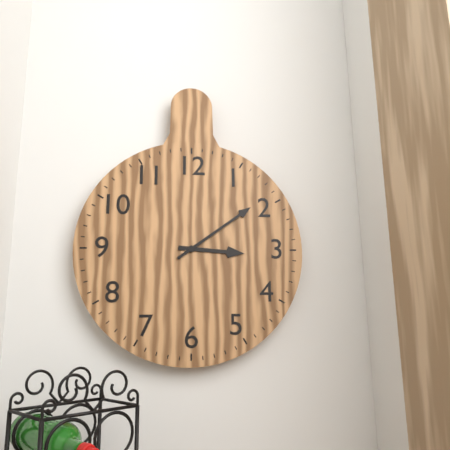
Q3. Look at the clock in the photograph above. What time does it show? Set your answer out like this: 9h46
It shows 3h09
